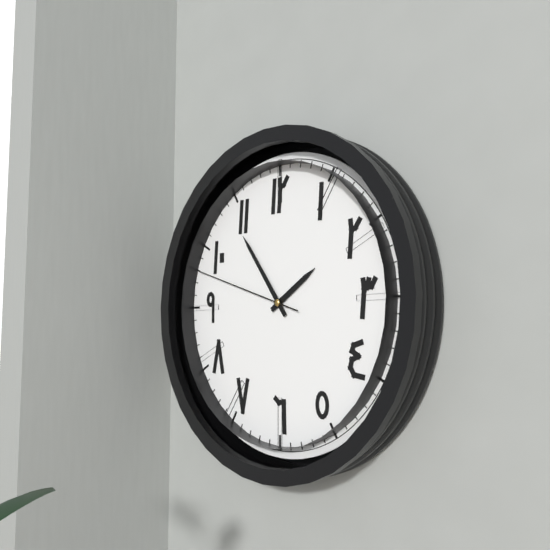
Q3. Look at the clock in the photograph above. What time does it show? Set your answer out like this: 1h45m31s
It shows 1h54m48s
